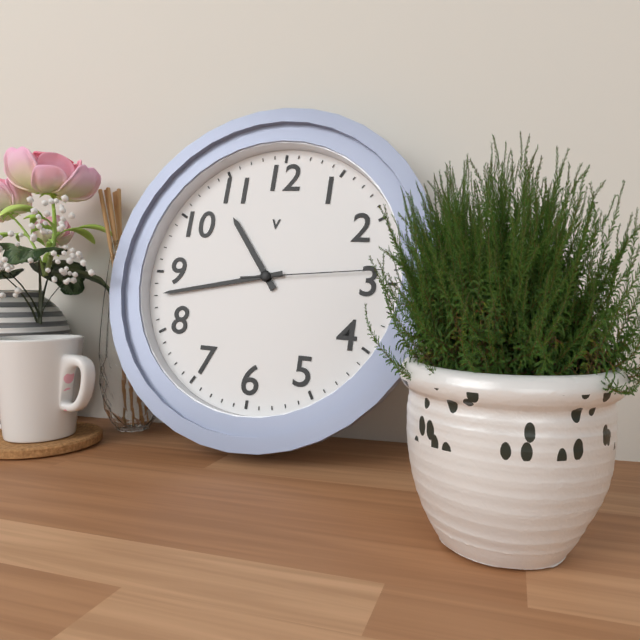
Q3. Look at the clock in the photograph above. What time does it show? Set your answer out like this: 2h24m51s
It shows 10h43m14s
